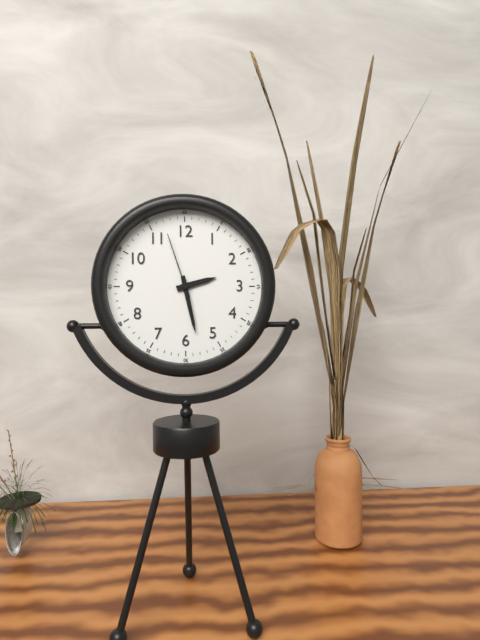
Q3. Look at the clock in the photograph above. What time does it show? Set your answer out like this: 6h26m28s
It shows 2h28m57s
